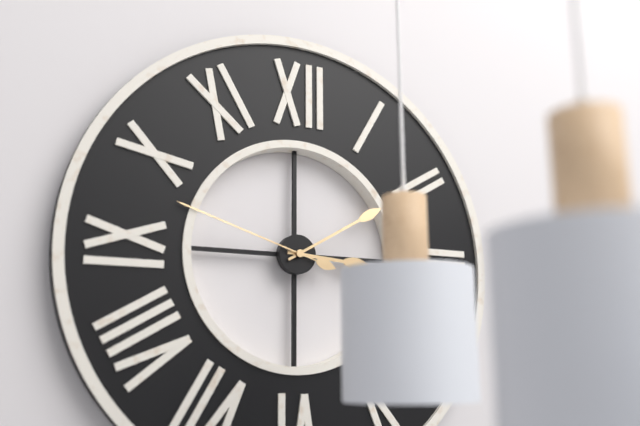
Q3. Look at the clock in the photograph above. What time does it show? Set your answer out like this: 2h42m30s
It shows 3h10m48s
